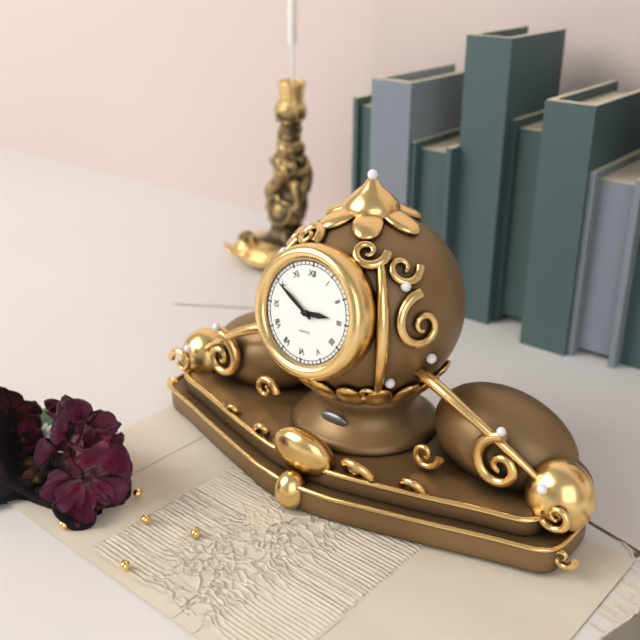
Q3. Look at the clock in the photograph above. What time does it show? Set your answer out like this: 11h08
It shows 2h50
